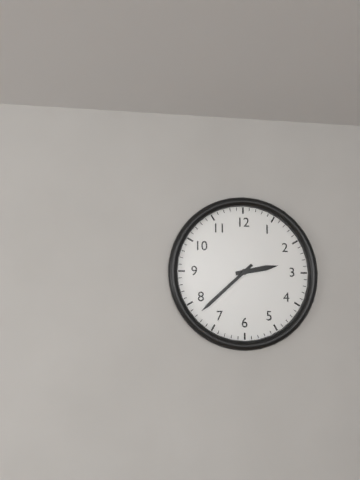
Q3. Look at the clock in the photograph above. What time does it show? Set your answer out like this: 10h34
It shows 2h38
